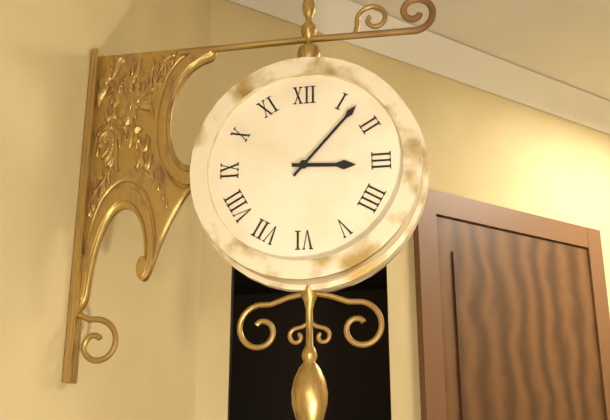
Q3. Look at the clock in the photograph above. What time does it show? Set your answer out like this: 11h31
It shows 3h07
